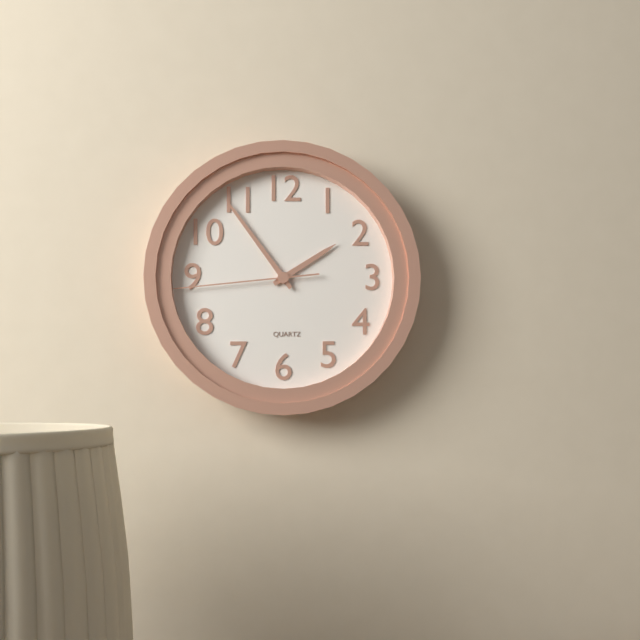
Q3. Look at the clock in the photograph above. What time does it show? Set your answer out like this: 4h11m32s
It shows 1h54m44s
